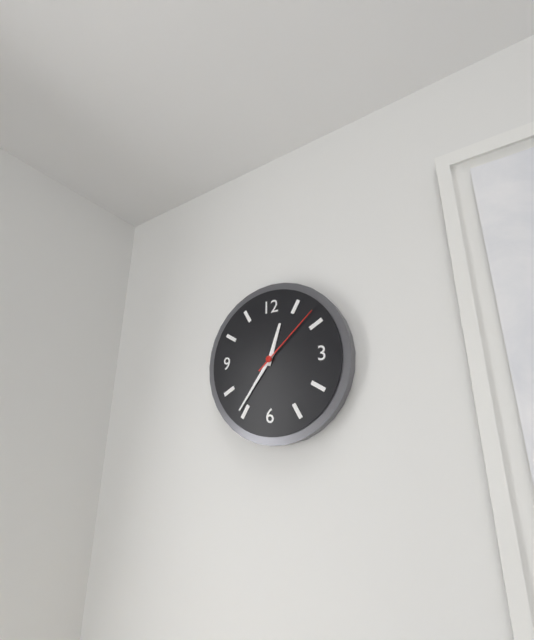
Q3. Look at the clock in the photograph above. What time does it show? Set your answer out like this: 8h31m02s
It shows 12h36m08s
